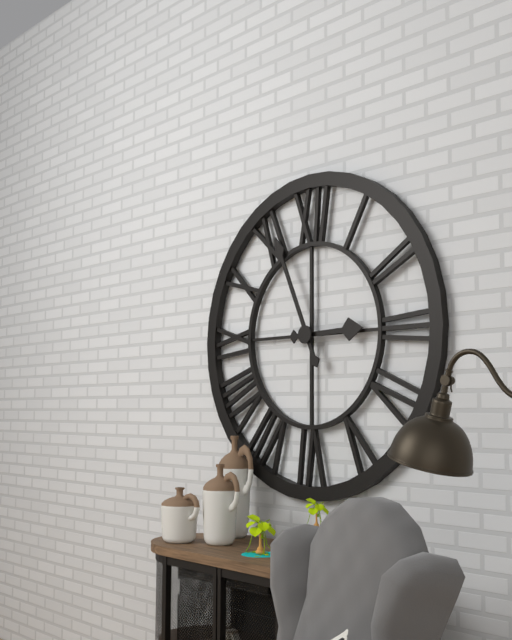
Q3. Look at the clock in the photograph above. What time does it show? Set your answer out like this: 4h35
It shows 2h56
